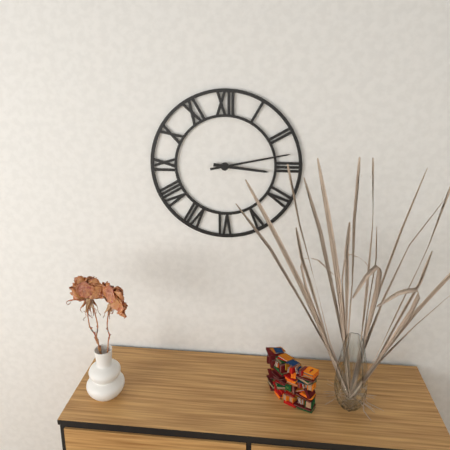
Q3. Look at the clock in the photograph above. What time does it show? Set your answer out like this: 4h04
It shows 3h13
